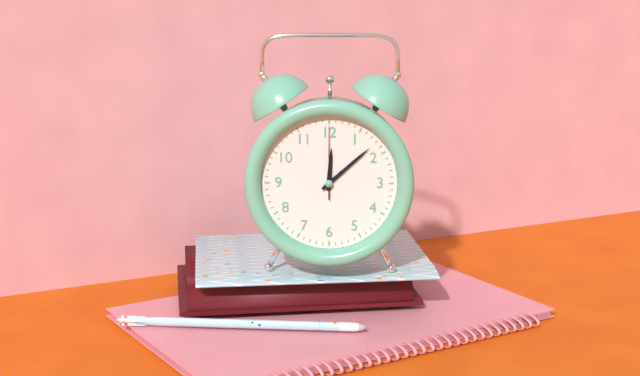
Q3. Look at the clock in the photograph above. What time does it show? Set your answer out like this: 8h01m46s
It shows 12h08m00s
